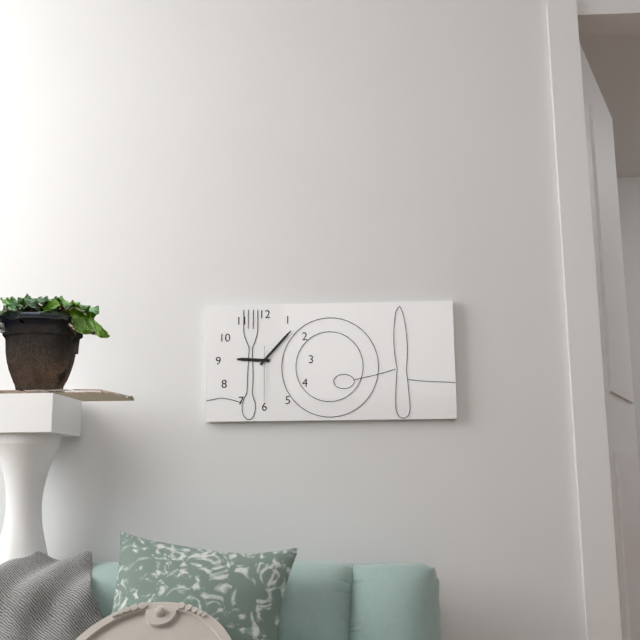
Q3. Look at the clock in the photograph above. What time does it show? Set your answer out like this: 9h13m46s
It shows 9h07m30s
